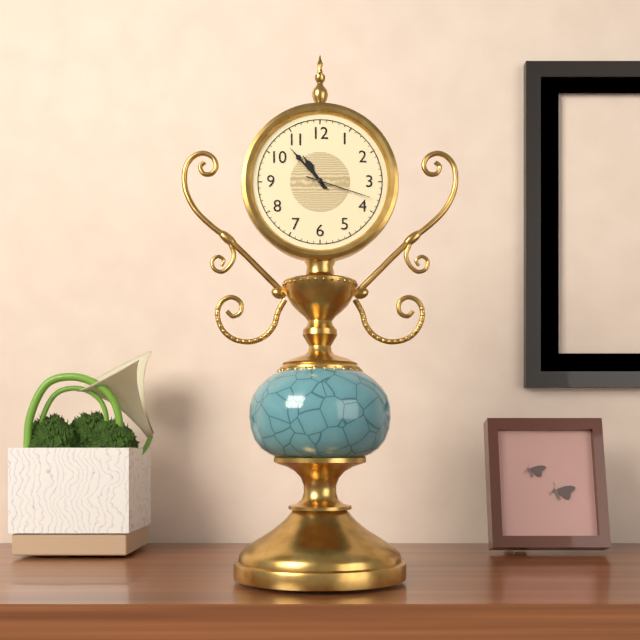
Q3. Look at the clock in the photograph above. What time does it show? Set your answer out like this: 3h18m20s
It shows 10h53m18s
